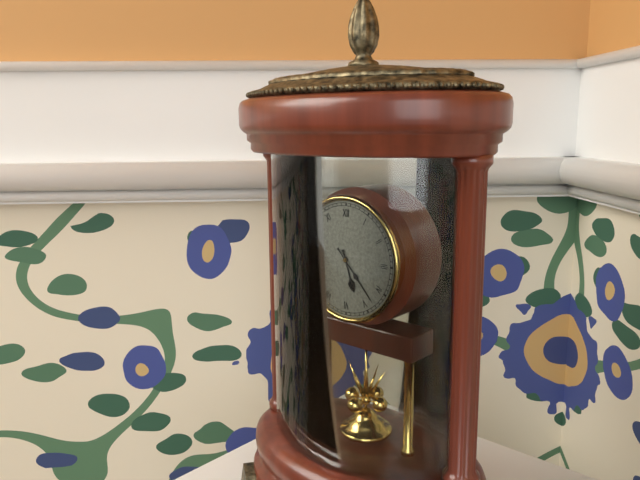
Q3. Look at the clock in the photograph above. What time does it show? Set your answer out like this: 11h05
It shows 5h23
